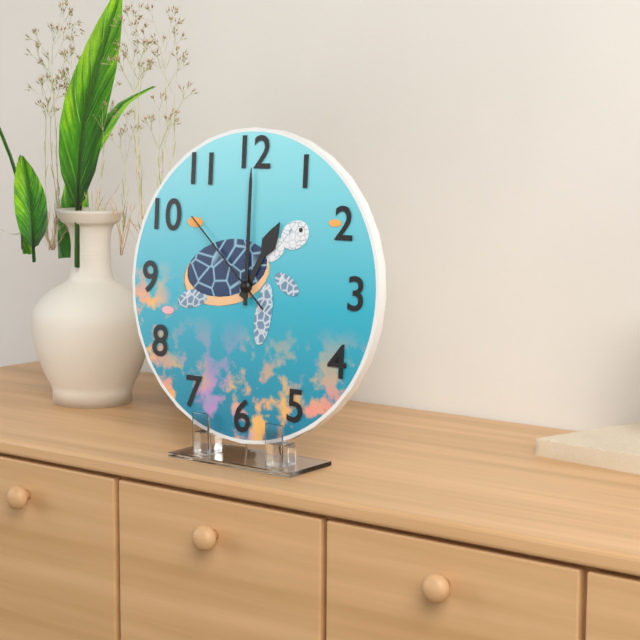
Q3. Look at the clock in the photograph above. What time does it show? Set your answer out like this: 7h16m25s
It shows 1h00m52s
